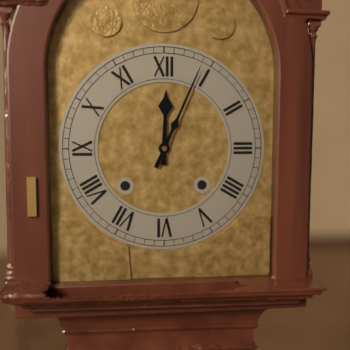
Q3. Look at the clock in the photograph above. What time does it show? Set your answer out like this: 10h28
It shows 12h04
